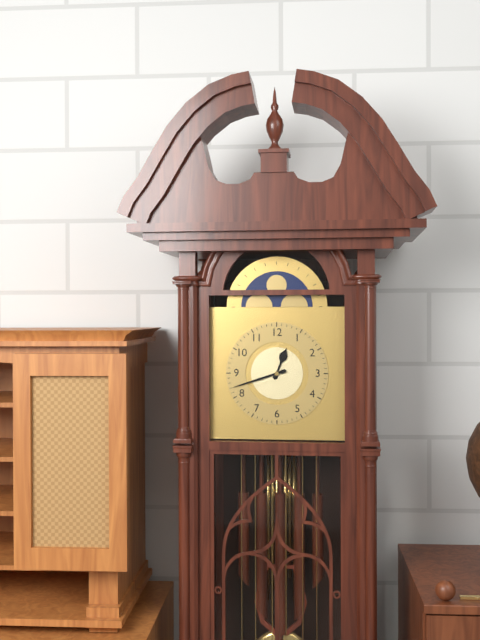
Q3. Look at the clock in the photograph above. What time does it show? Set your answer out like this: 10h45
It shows 12h42
